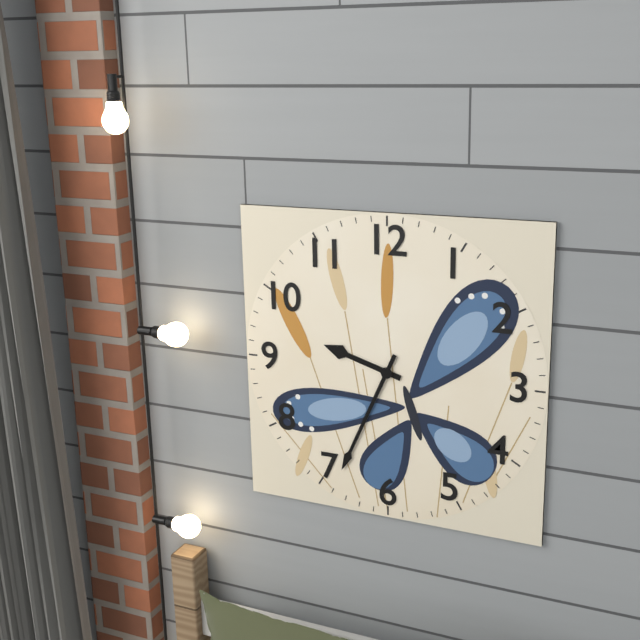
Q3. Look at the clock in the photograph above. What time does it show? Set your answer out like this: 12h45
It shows 9h34
